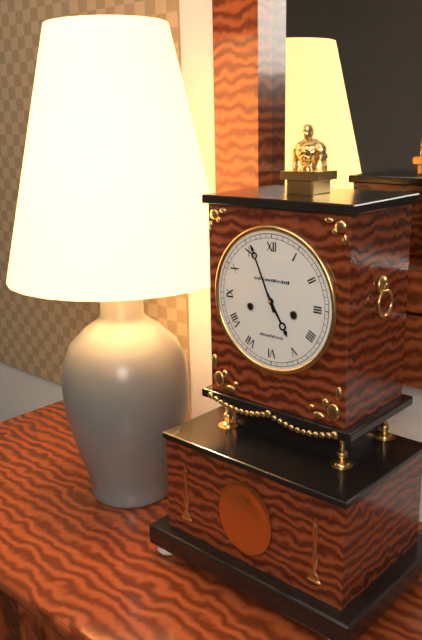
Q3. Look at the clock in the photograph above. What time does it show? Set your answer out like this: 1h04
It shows 4h56
